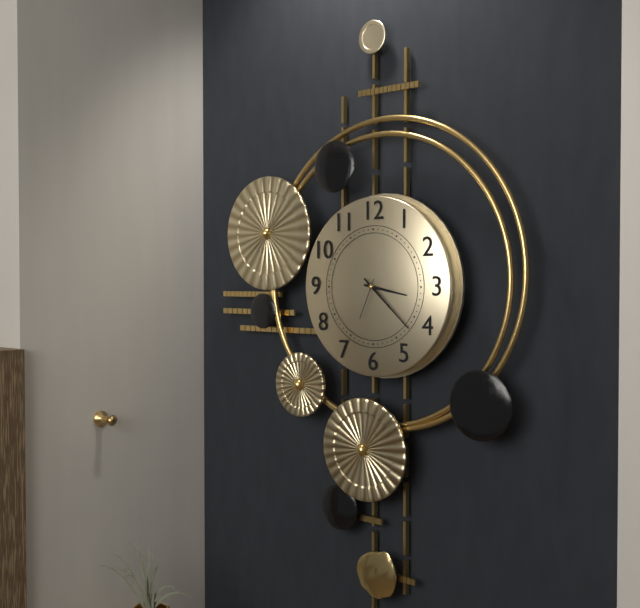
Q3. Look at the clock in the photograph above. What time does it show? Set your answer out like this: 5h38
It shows 3h22
